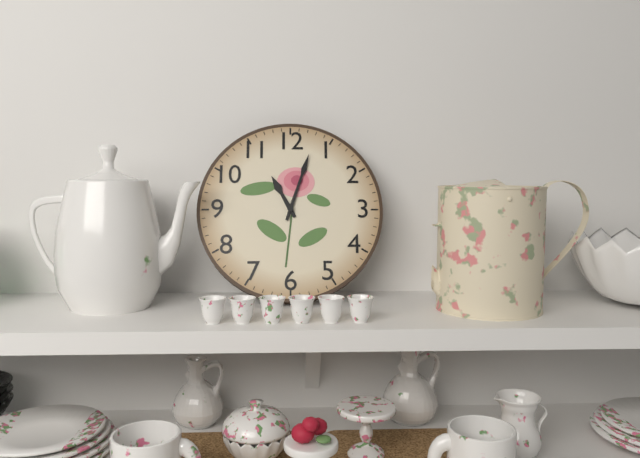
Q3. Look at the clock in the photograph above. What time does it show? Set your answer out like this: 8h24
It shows 11h03
